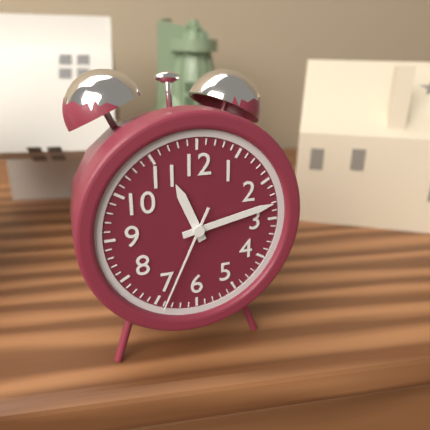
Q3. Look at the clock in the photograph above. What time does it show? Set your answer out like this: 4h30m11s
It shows 11h13m34s
